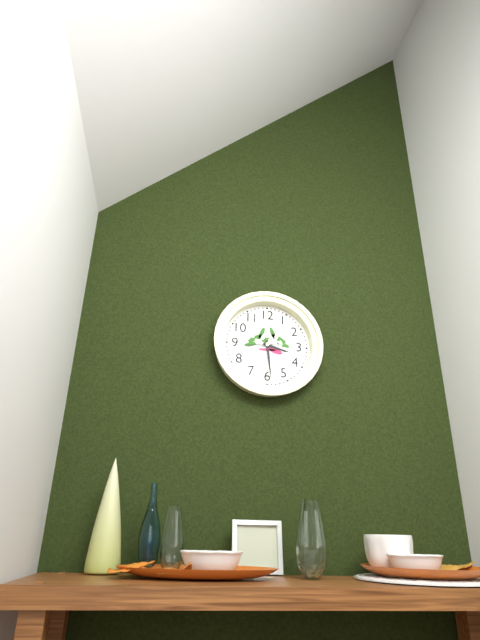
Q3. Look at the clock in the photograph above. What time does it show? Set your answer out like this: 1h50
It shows 3h29
